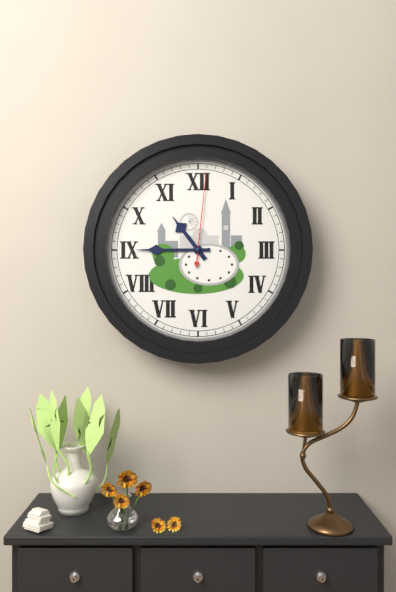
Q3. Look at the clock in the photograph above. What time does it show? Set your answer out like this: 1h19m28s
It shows 10h45m01s
